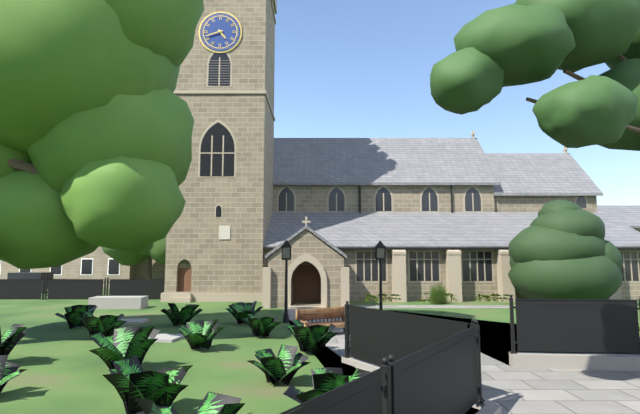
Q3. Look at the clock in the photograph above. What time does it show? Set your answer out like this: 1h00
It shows 4h42
